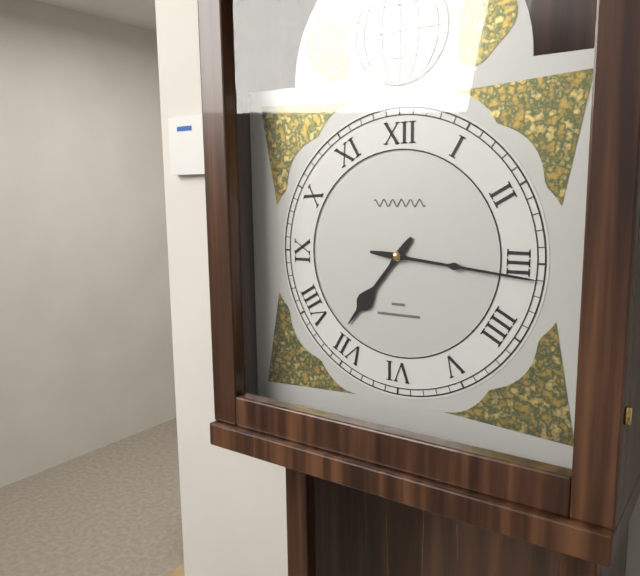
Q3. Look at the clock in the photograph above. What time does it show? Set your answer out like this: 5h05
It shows 7h16
